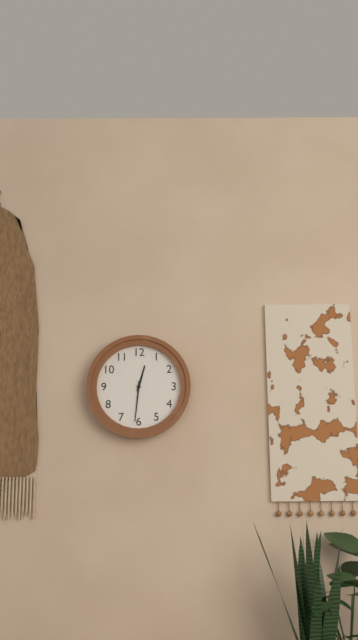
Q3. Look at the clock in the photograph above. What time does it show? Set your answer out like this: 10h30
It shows 12h31
